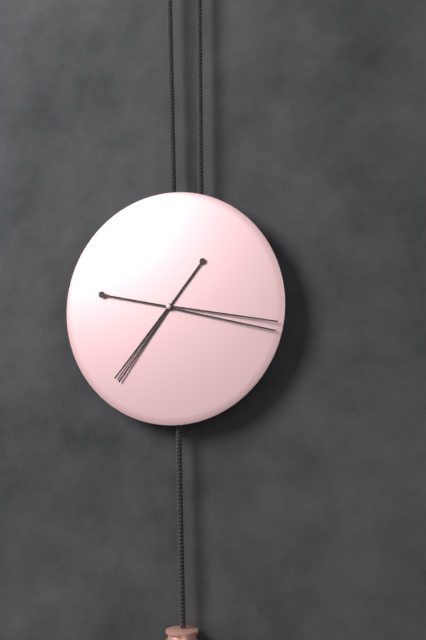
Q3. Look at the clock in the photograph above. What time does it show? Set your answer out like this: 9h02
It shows 7h17
